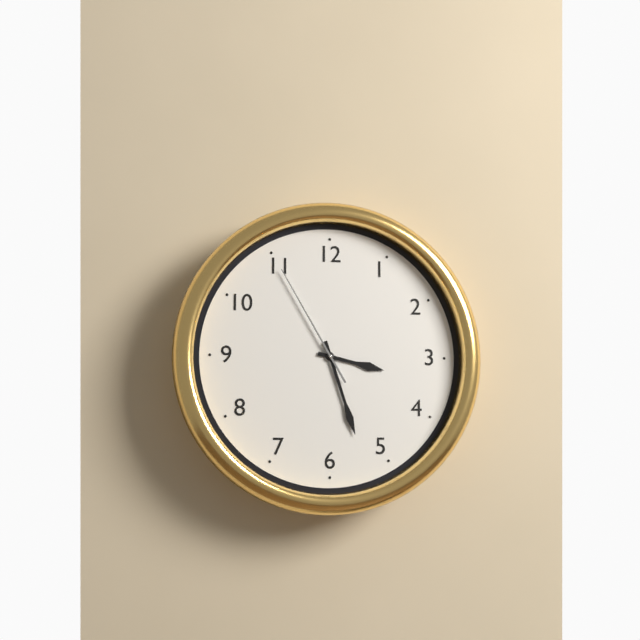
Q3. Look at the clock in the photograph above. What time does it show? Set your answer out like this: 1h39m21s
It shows 3h27m55s
